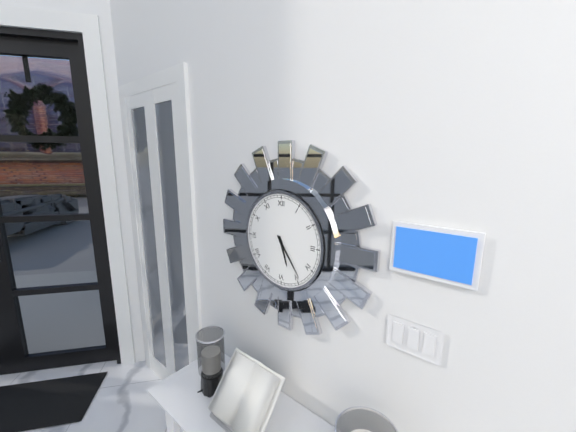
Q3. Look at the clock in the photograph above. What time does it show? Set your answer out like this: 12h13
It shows 5h24
